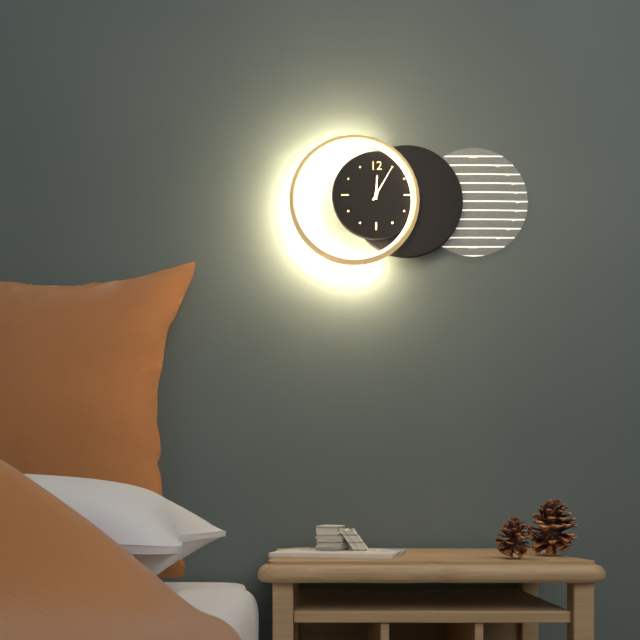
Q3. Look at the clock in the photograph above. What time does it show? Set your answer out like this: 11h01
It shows 12h05
